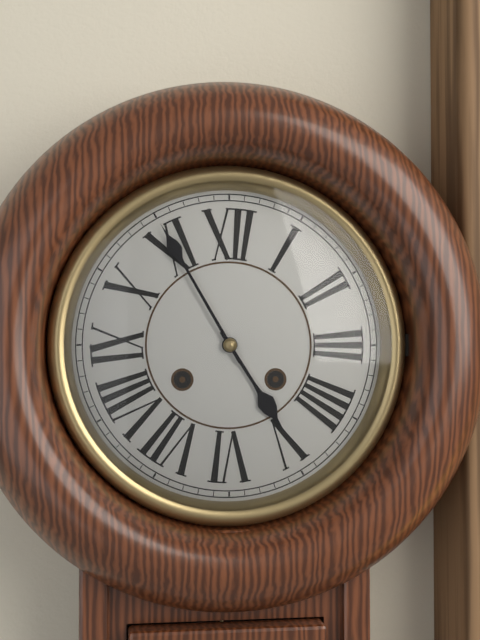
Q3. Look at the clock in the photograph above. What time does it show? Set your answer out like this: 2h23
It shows 4h55
